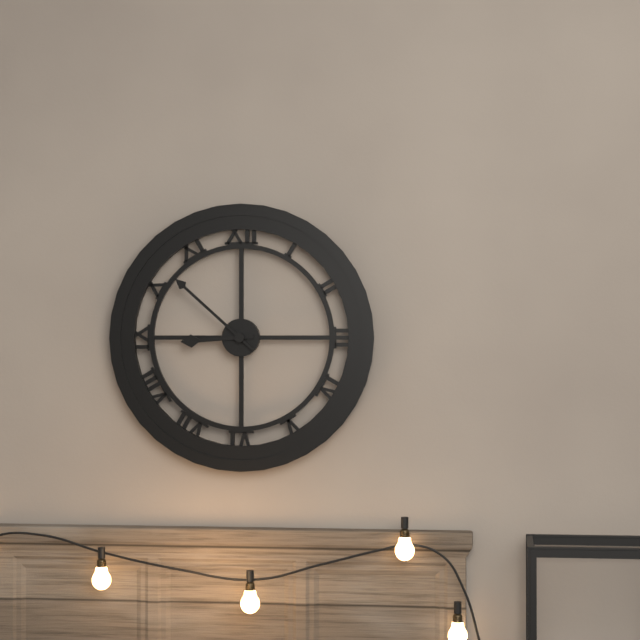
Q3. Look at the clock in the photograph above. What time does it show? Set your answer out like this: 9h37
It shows 8h52
